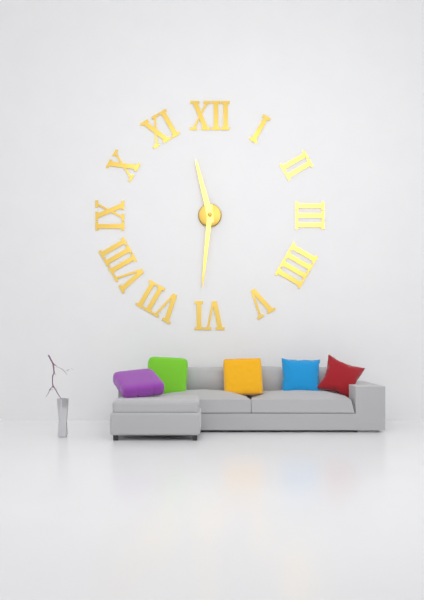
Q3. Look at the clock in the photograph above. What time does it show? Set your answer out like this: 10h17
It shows 11h31
